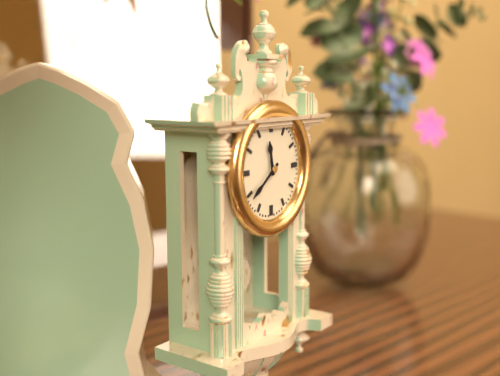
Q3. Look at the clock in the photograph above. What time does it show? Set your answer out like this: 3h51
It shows 11h39
